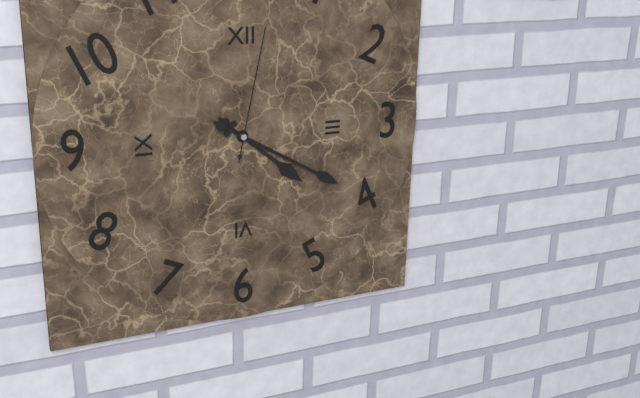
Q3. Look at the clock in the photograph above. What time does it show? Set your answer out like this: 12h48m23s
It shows 4h20m02s
